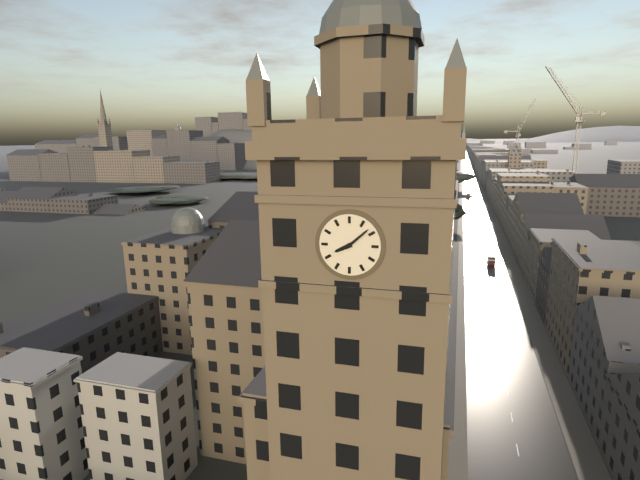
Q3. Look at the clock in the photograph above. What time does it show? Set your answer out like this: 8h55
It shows 8h08
